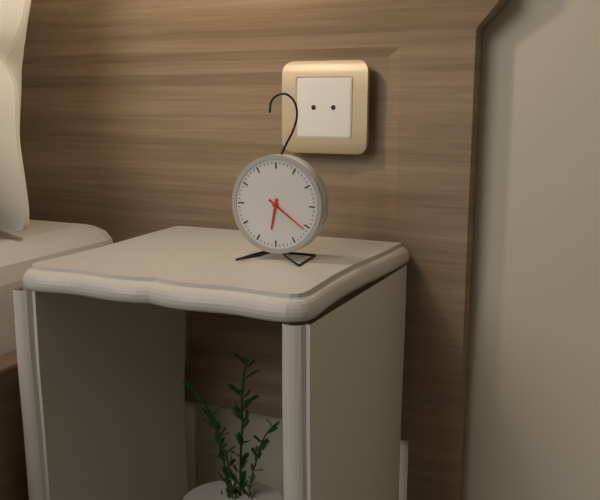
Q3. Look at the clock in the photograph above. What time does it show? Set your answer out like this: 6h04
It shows 6h21
